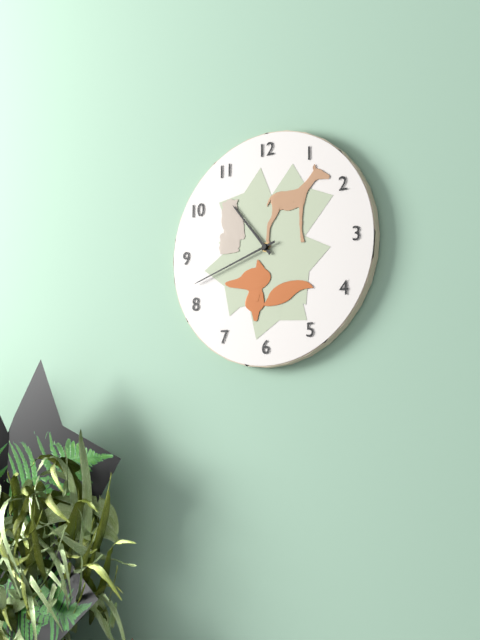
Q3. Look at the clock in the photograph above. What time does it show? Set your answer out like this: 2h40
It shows 10h42
